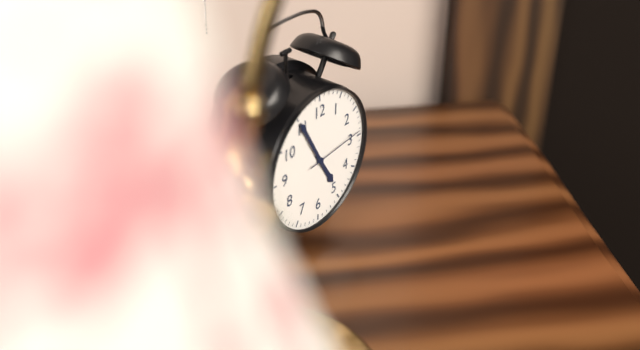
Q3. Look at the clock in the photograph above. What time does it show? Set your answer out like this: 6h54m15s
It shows 4h55m14s
